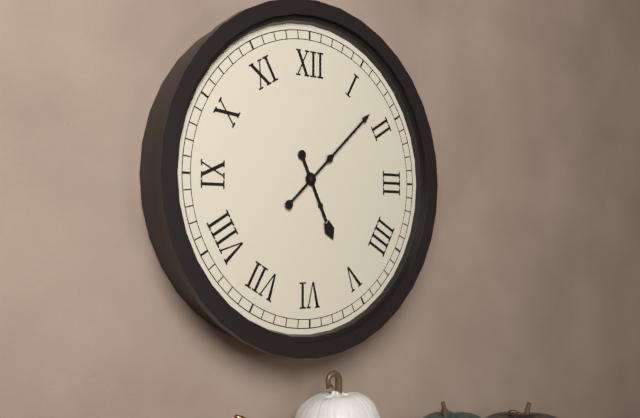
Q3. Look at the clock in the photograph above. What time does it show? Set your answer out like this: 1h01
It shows 5h08
